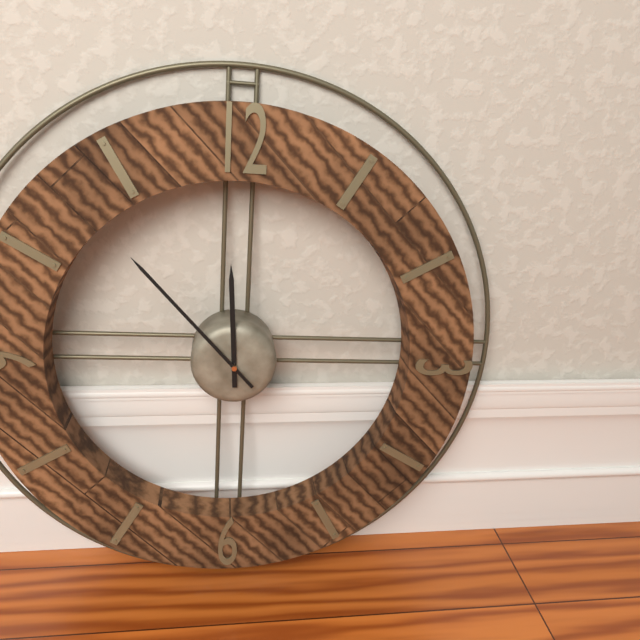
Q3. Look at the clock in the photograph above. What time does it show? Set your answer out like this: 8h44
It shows 11h53
